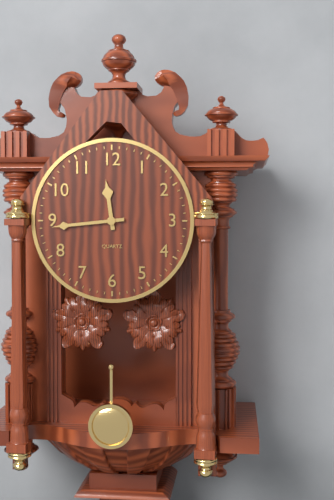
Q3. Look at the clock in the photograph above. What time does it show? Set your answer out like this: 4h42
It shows 11h44
